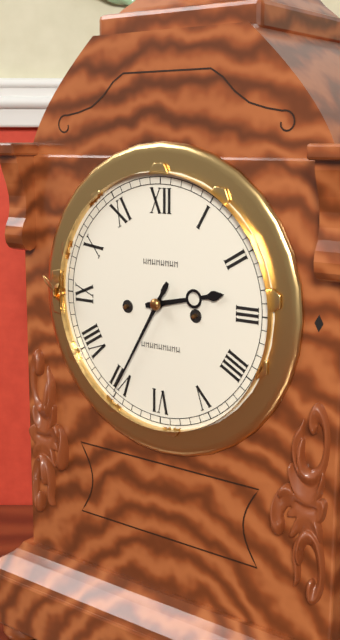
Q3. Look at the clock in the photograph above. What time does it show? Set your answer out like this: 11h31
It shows 2h35
